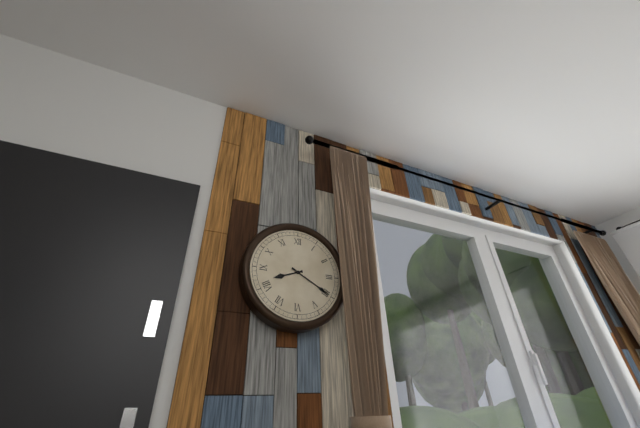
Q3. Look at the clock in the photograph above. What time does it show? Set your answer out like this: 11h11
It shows 8h20
